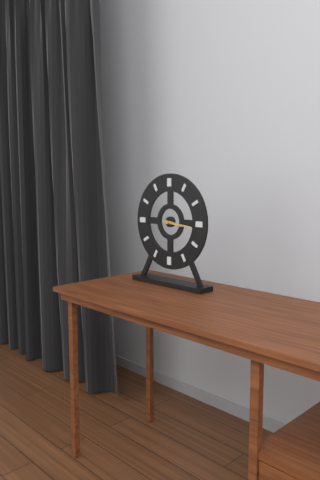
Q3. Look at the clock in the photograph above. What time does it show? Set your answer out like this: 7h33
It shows 3h16
